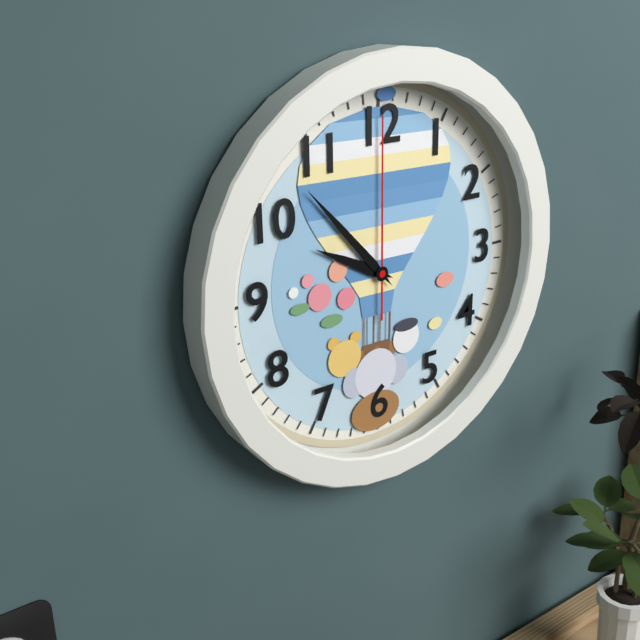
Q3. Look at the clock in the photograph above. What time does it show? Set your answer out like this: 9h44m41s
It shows 9h53m00s
